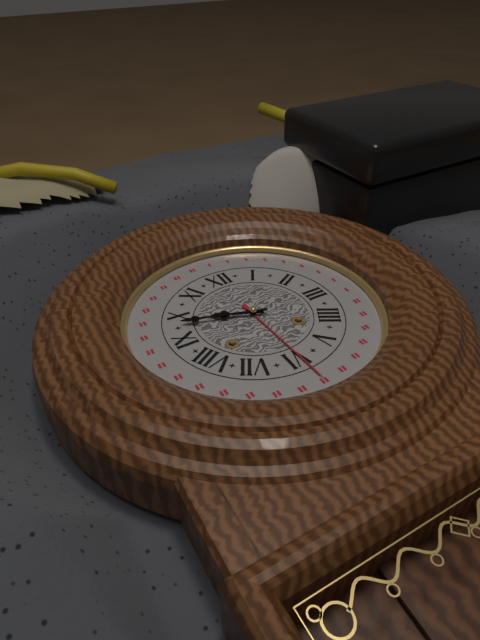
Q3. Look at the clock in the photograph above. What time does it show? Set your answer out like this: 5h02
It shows 9h48
